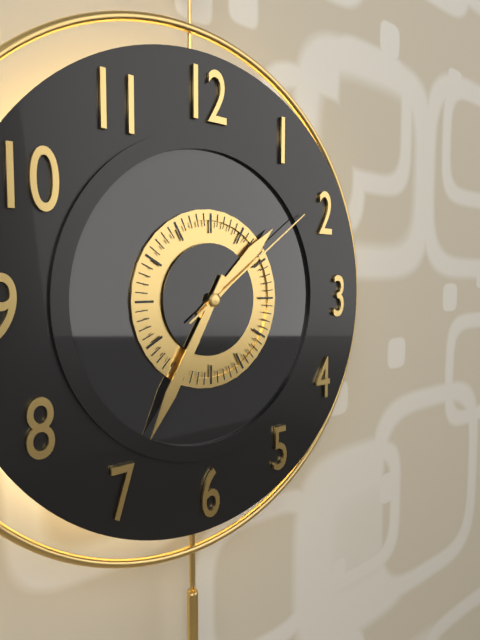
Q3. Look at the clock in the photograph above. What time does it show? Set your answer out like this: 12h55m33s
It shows 1h35m09s
